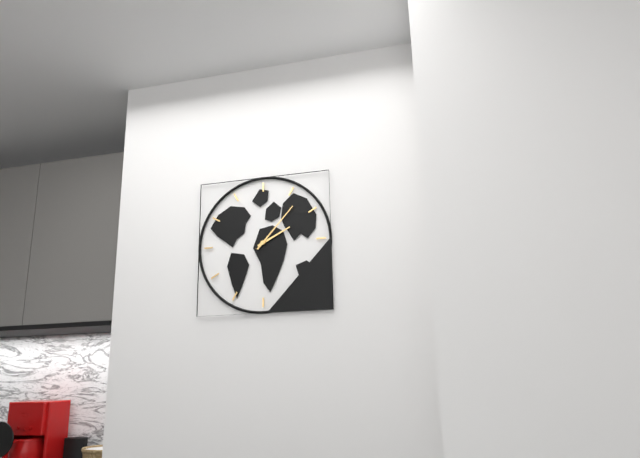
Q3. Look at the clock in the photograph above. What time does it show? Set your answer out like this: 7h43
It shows 2h07
